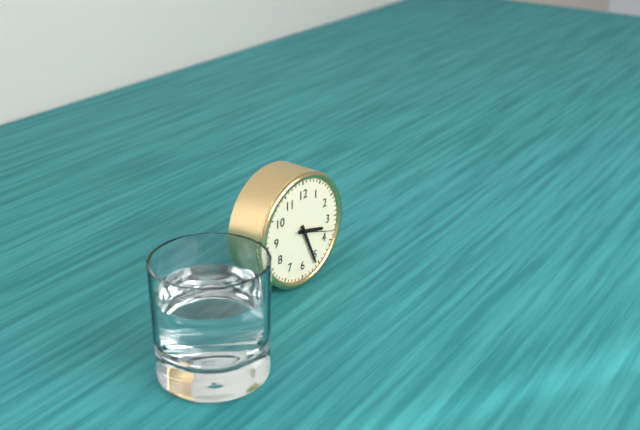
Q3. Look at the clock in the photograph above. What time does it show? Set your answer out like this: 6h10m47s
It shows 3h26m18s
